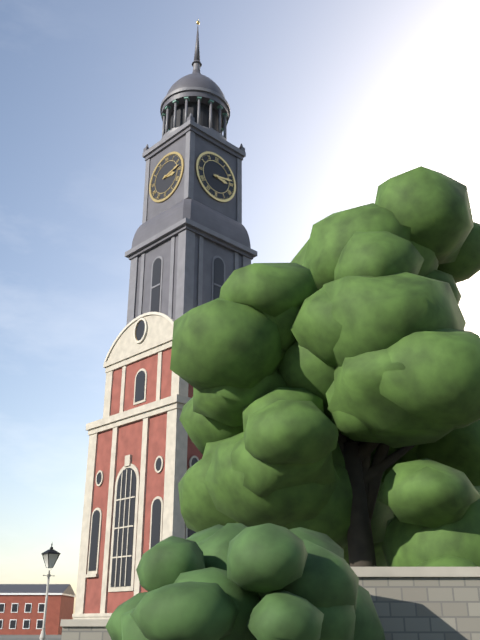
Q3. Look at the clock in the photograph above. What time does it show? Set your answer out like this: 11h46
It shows 3h13
